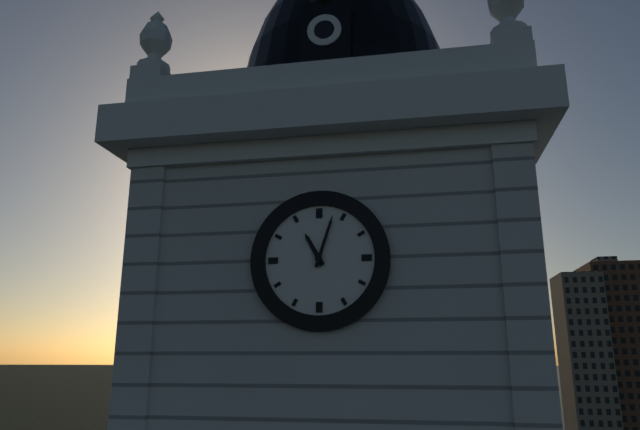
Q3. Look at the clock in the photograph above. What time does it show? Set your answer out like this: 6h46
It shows 11h03
